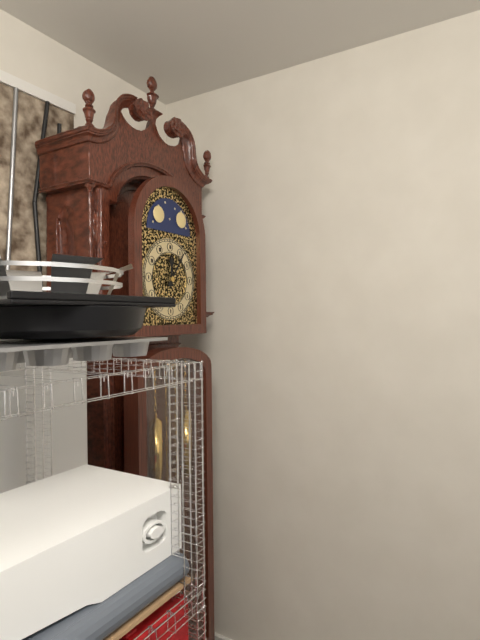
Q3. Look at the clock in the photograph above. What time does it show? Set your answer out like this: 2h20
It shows 12h06
